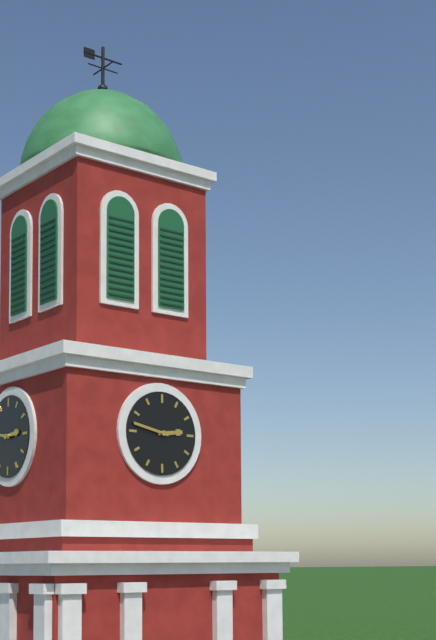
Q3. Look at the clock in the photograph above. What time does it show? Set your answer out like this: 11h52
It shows 2h47
